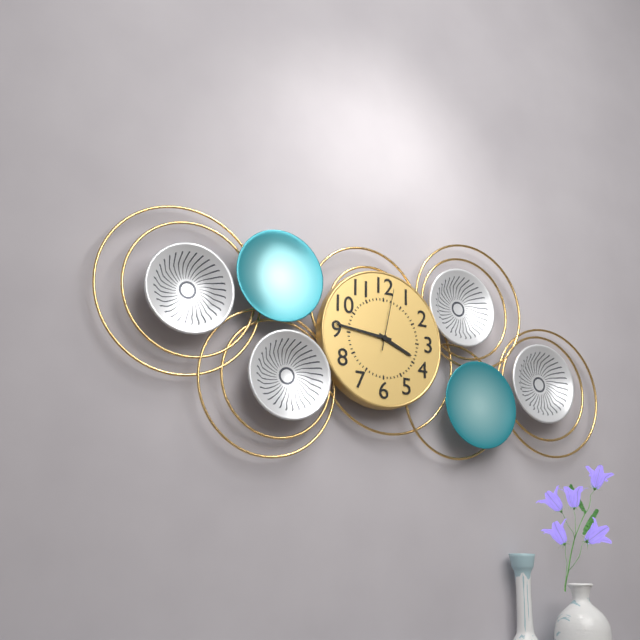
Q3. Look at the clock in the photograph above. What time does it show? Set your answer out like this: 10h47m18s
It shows 3h46m02s
